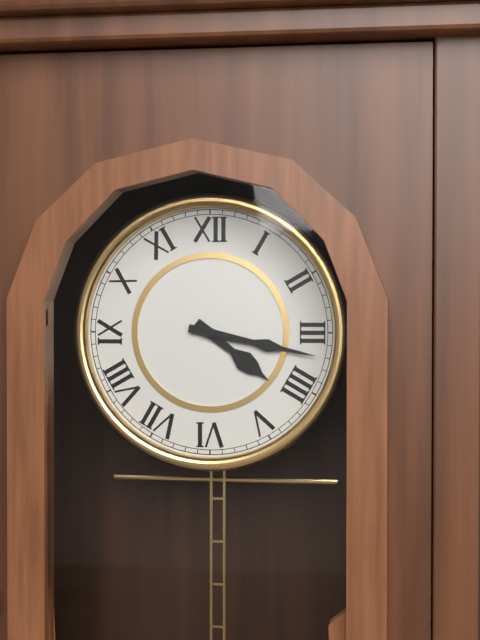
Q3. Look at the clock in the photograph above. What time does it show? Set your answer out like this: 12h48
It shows 4h17
